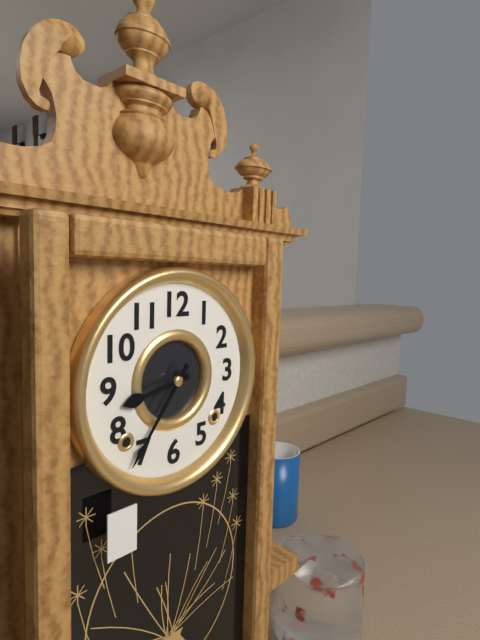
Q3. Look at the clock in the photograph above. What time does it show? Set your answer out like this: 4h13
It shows 8h36
